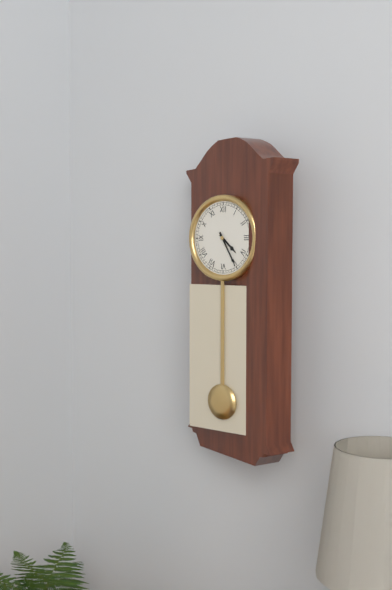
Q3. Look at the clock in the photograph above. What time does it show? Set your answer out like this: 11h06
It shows 4h25
